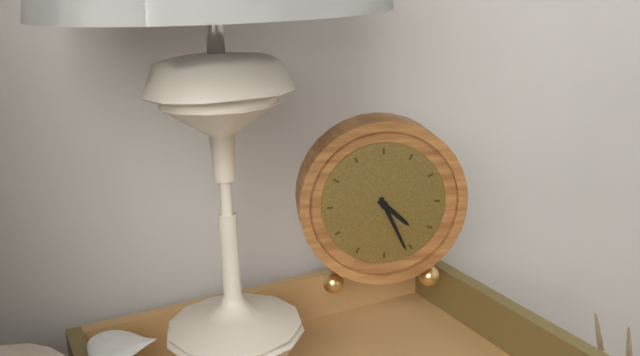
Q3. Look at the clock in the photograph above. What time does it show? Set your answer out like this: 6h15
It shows 4h26
